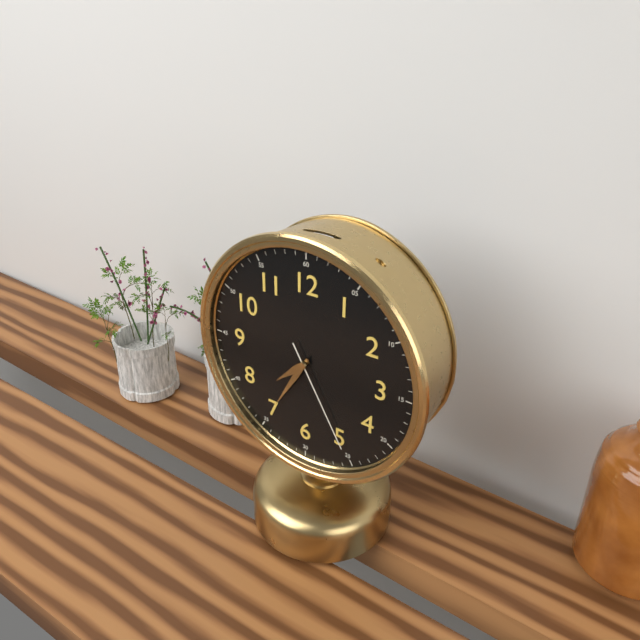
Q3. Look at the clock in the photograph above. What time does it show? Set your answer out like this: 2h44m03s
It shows 7h35m25s
